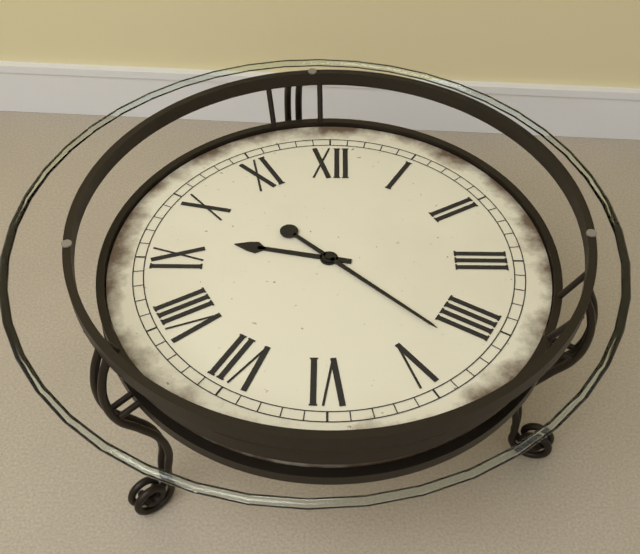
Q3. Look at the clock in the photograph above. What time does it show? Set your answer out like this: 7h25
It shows 9h22
